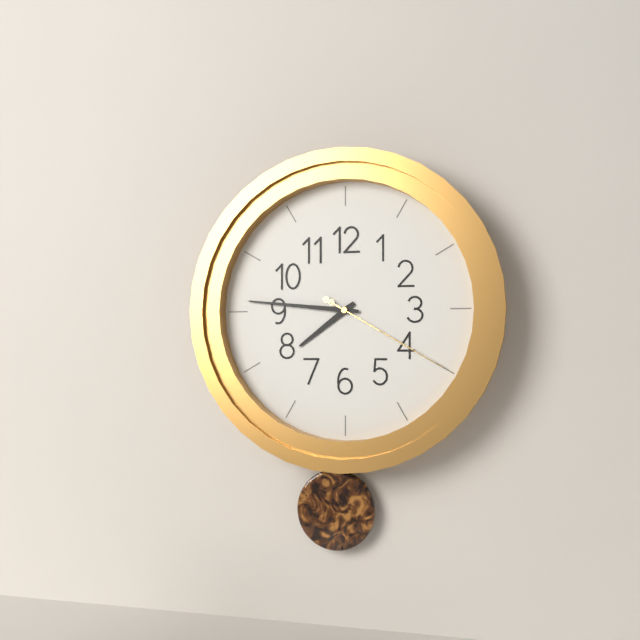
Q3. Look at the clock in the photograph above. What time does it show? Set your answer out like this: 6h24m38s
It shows 7h46m20s
